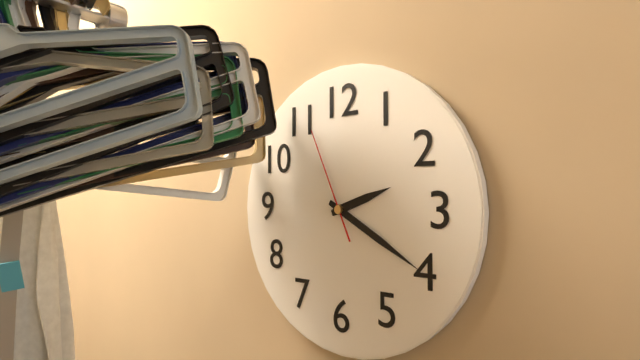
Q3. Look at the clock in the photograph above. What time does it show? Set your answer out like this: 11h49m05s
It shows 2h20m56s
